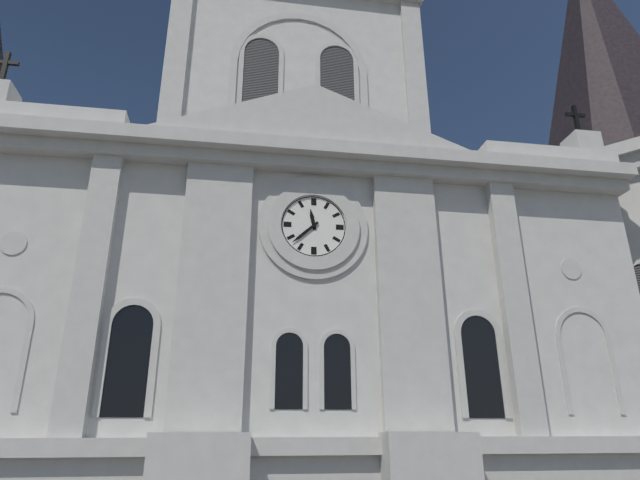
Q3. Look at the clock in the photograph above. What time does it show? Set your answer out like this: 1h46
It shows 11h38
